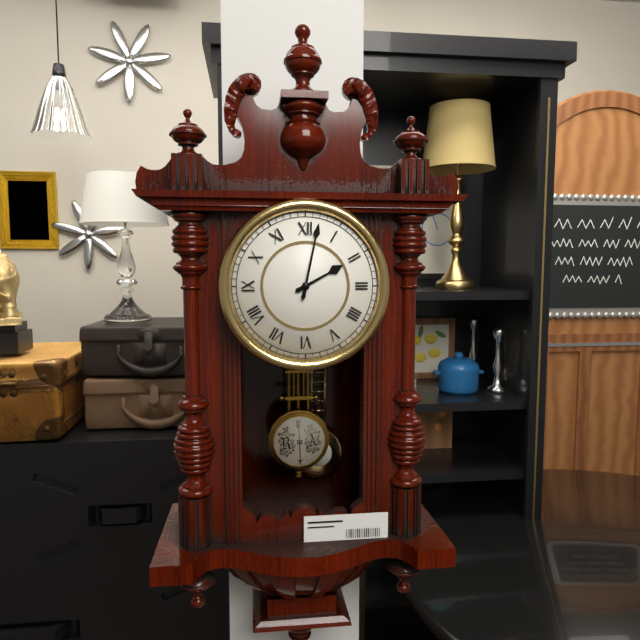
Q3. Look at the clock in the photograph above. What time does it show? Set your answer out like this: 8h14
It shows 2h02
